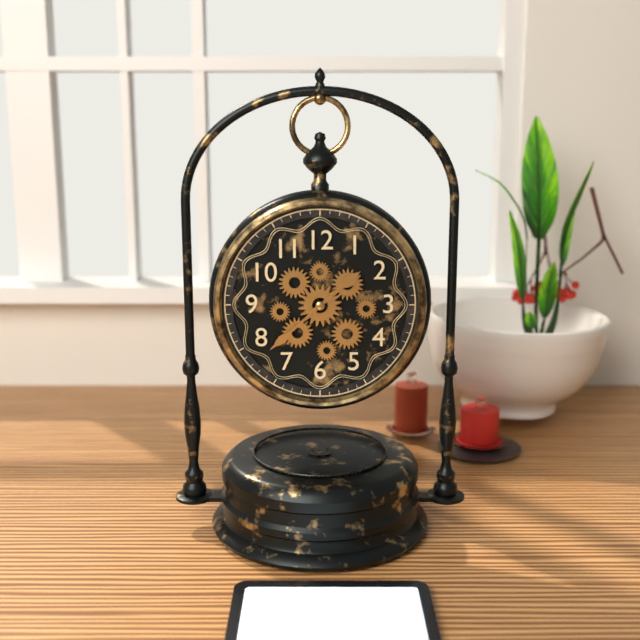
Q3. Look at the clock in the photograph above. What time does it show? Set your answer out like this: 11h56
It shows 1h38
